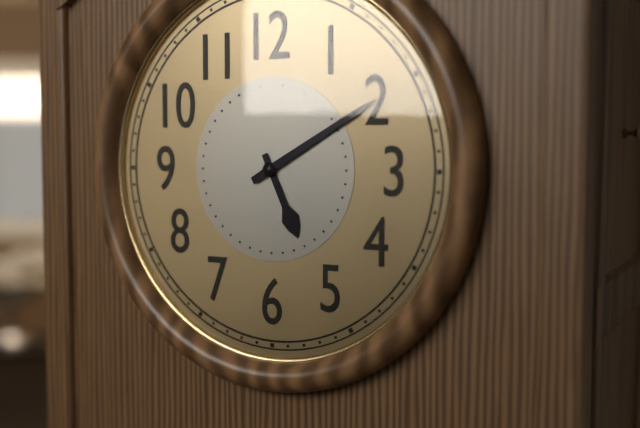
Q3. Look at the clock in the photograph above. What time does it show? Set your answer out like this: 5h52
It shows 5h10
